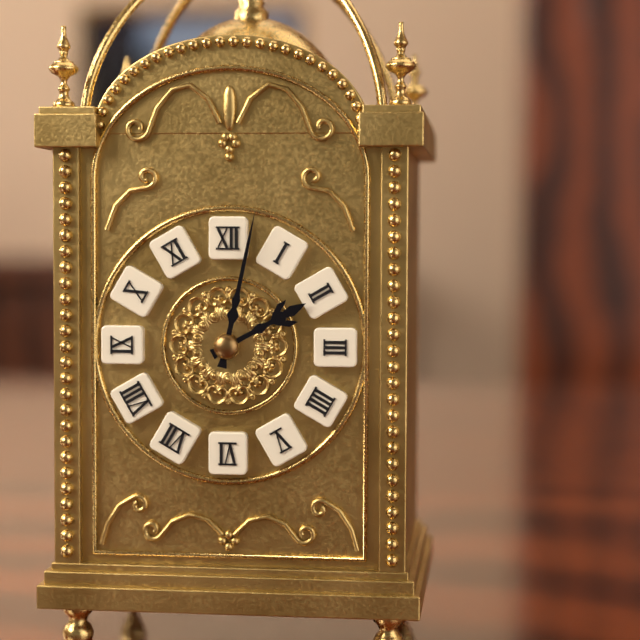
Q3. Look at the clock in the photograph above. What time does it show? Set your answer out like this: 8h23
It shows 2h02
